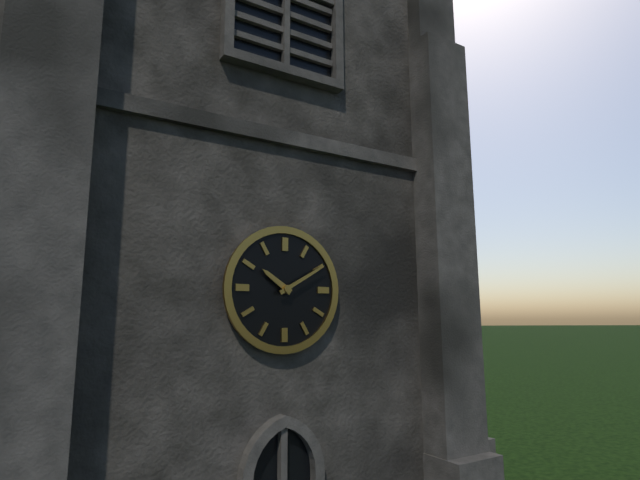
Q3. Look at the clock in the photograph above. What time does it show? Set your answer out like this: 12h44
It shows 10h10
